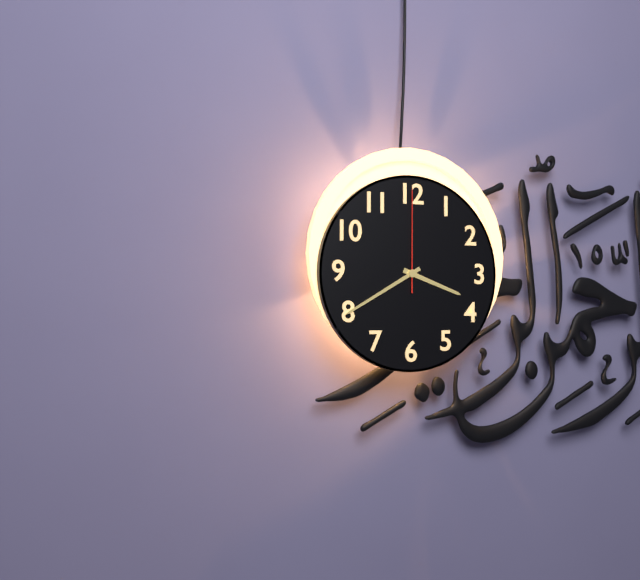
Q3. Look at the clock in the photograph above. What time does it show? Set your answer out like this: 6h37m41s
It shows 3h40m00s
